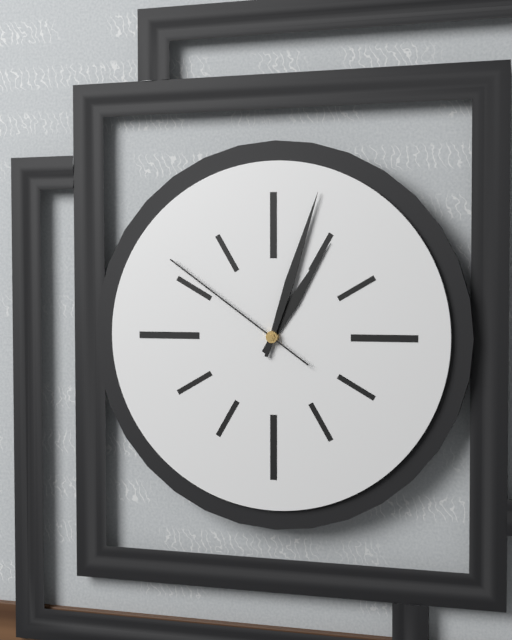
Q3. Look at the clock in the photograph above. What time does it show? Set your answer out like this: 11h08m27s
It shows 1h03m51s
